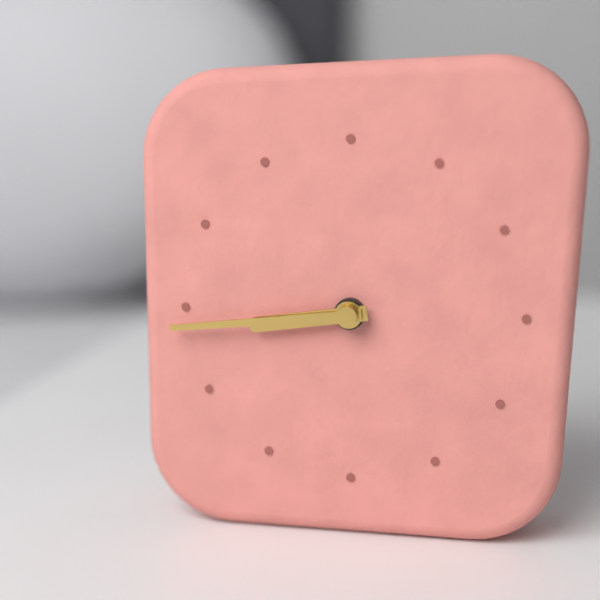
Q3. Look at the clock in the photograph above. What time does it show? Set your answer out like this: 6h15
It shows 8h44
